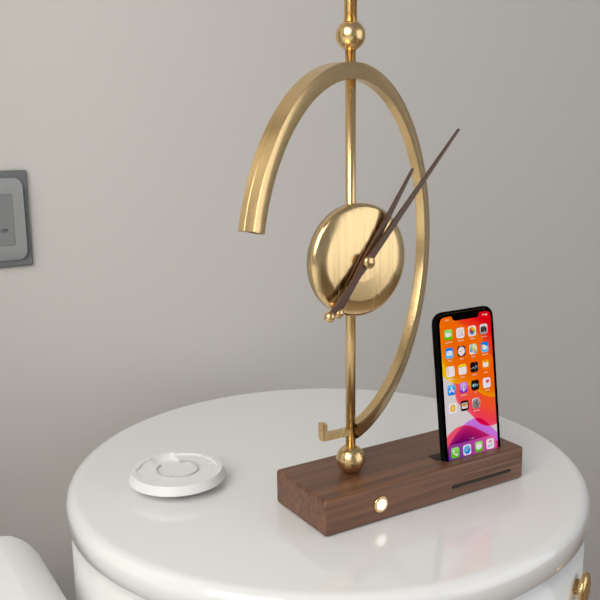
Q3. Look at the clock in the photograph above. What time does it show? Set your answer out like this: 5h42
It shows 1h07
